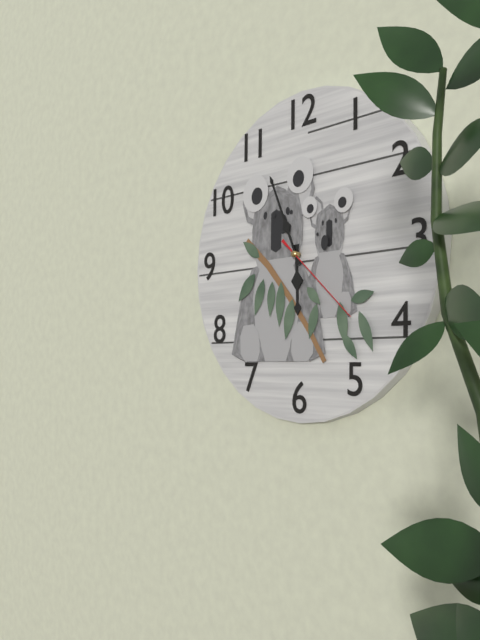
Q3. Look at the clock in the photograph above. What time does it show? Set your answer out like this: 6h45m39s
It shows 5h56m22s
